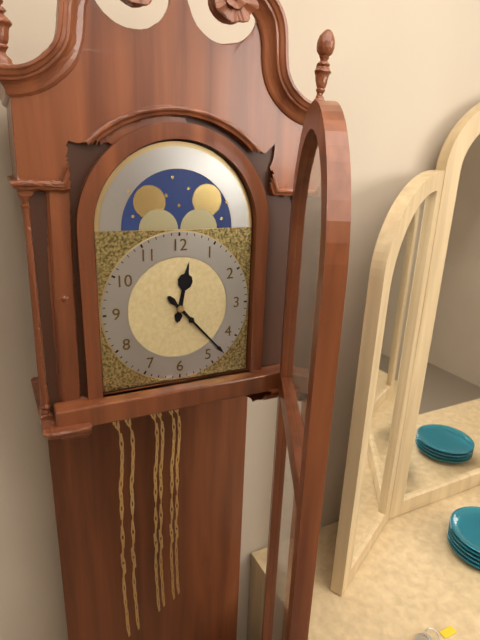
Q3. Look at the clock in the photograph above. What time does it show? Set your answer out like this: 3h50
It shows 12h23
